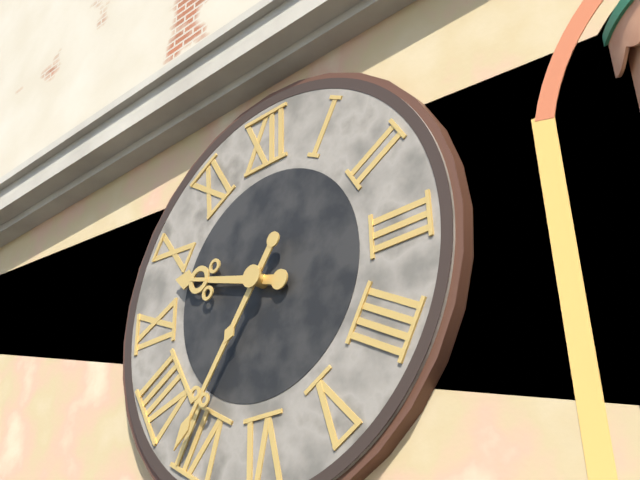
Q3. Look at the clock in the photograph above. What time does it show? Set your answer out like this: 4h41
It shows 9h36
